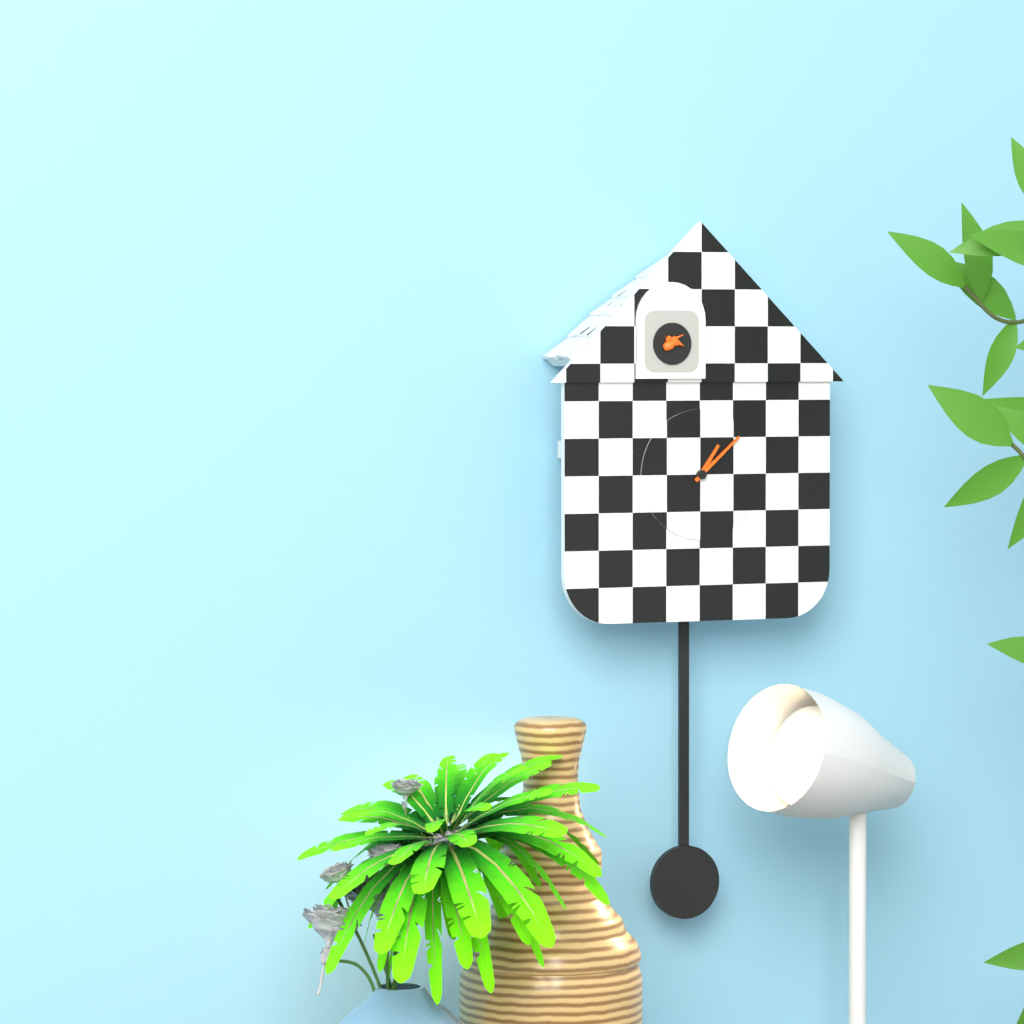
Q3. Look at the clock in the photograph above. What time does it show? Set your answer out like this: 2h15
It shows 1h08
